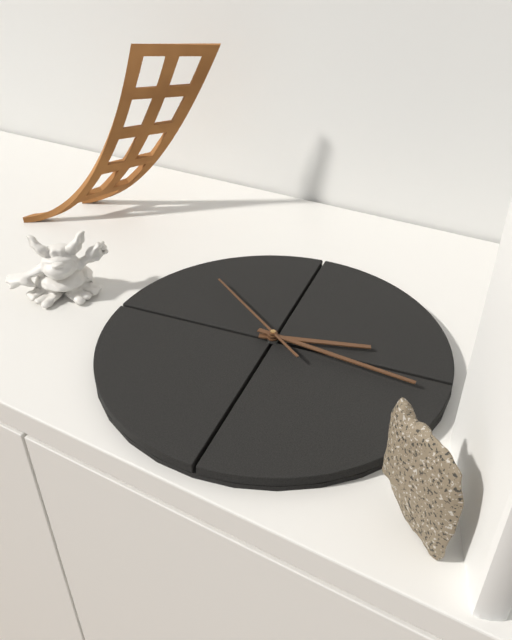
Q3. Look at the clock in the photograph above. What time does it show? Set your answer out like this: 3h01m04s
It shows 3h20m55s
